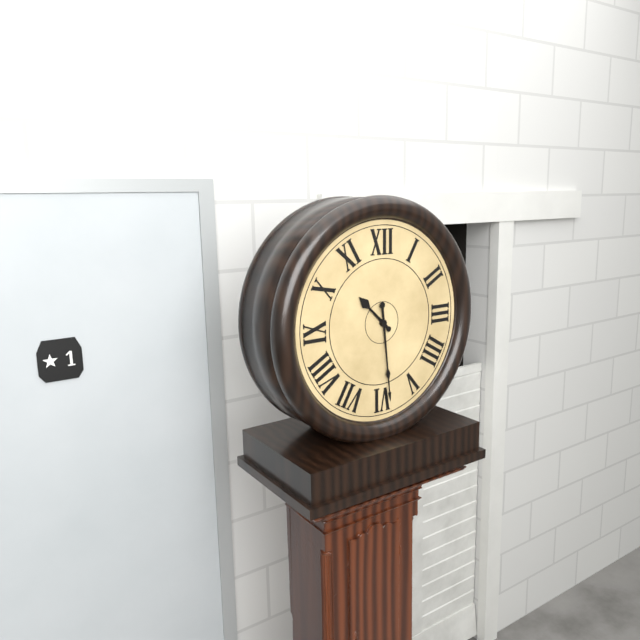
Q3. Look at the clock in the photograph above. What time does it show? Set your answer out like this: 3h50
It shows 10h29
